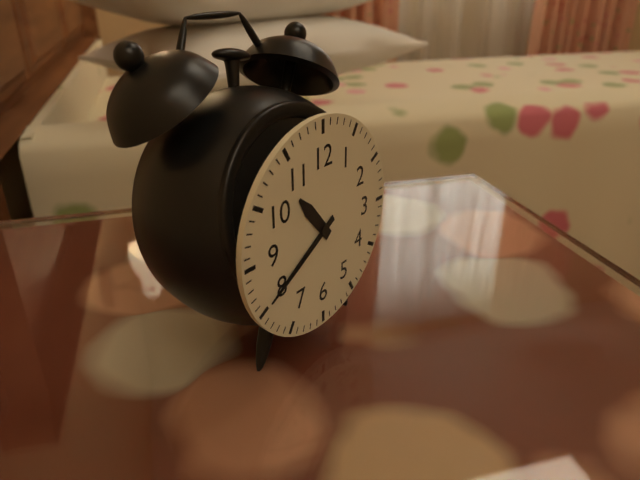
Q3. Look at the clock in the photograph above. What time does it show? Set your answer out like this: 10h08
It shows 10h40
